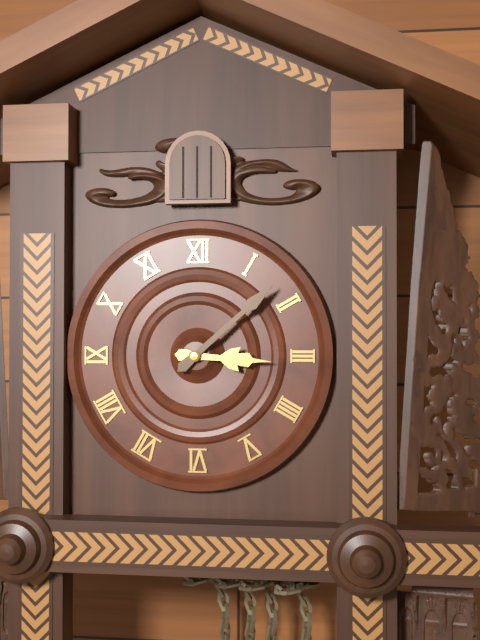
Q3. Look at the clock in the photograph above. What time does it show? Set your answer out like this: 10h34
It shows 3h08
